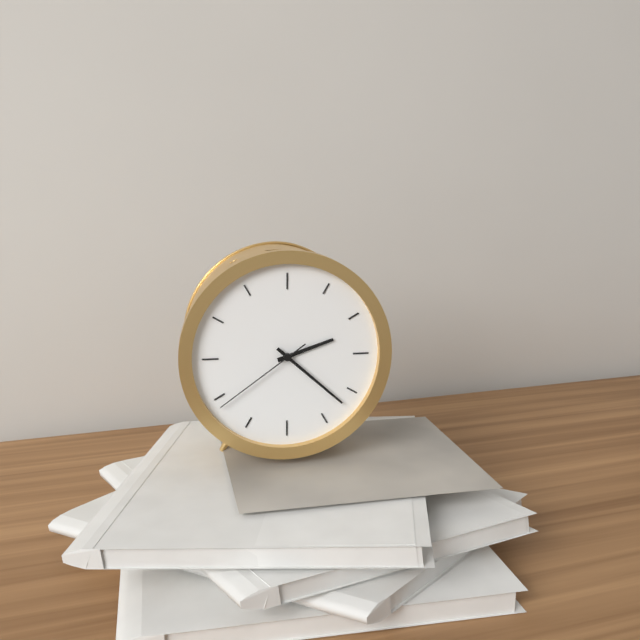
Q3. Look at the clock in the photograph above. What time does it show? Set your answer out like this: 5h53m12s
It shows 2h22m39s
